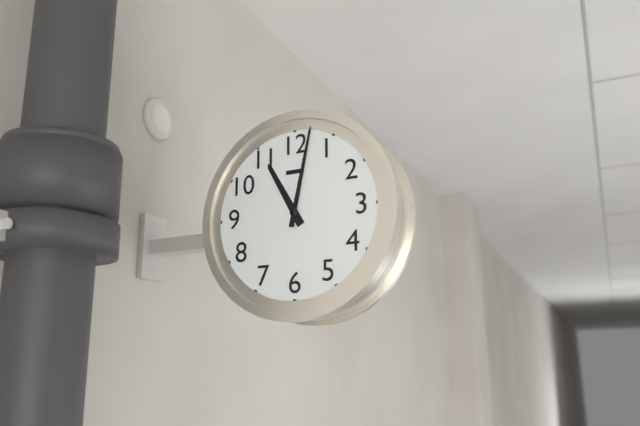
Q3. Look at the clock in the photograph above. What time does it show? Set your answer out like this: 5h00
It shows 11h02
